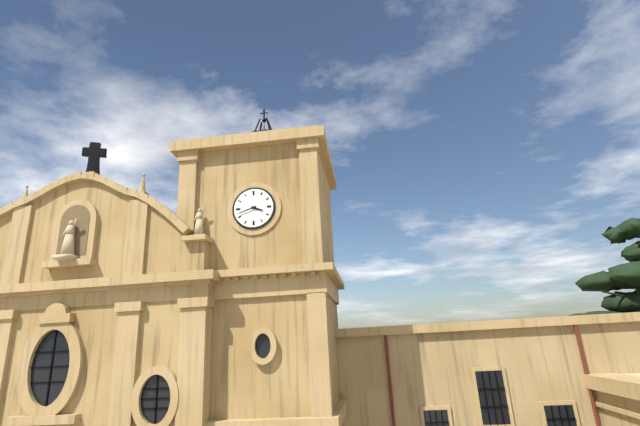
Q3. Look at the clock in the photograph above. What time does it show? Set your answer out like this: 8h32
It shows 3h42
